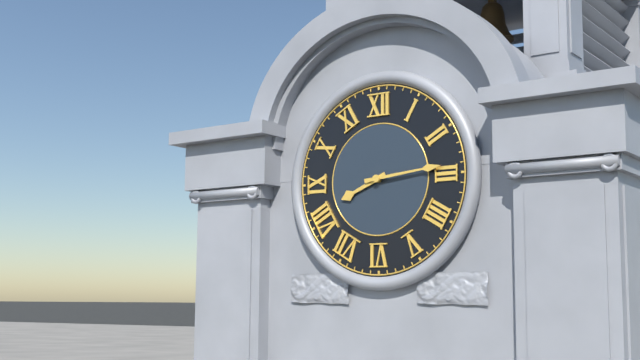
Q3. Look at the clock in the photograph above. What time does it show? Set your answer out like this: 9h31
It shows 8h14
